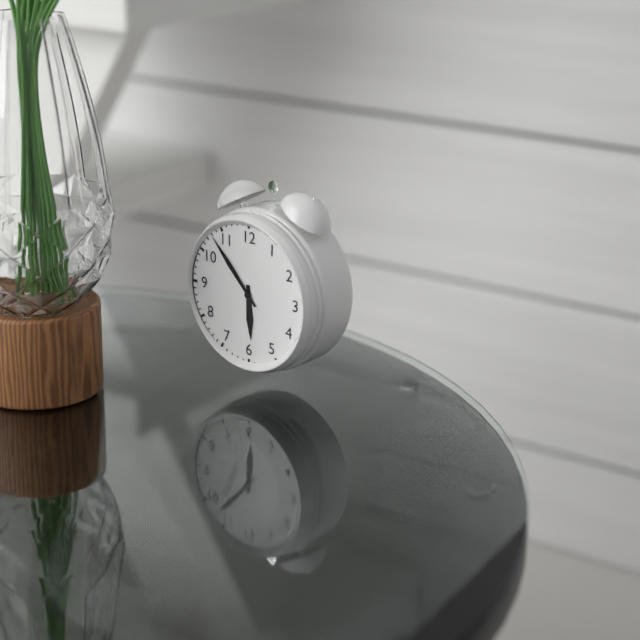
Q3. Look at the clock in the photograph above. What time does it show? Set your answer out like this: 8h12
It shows 5h53
